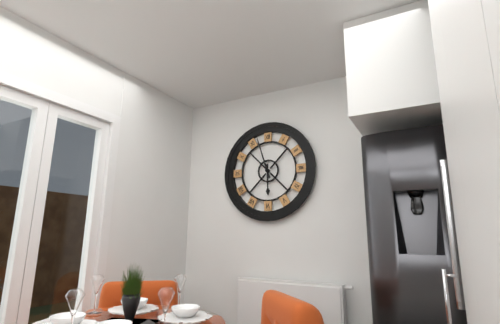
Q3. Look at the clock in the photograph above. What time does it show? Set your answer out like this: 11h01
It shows 5h57
